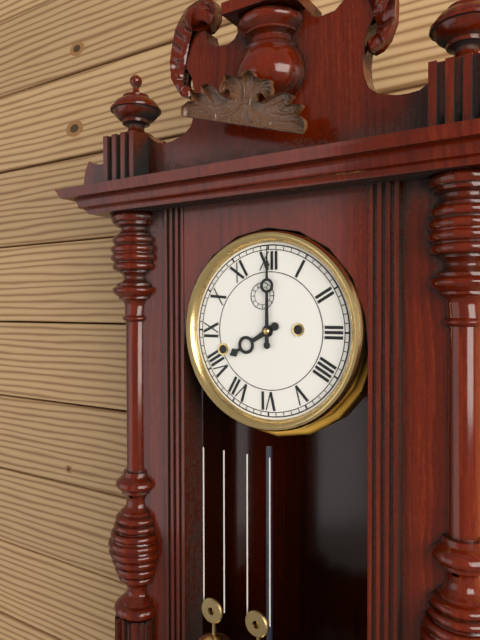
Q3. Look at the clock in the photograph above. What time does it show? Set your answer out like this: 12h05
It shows 8h00
